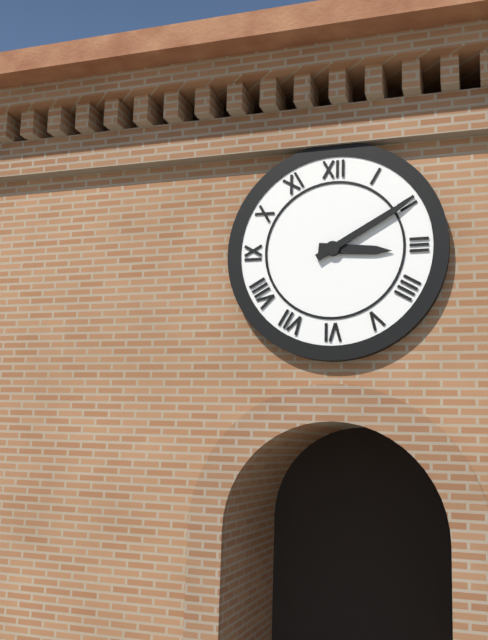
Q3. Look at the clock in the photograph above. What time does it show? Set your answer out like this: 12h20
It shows 3h10
